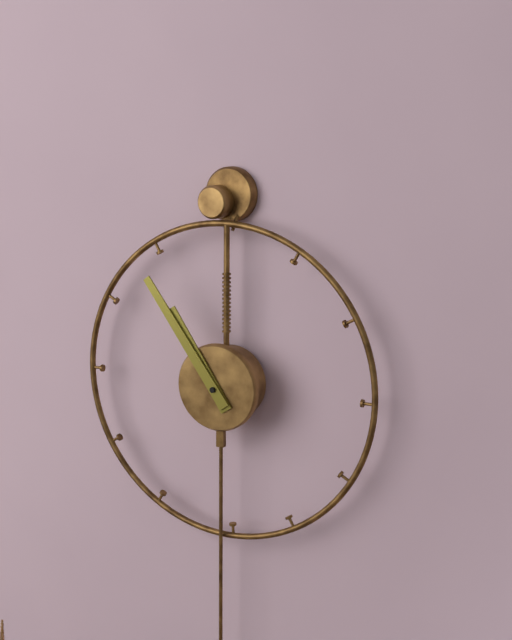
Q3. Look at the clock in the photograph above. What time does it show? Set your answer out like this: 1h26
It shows 10h54
